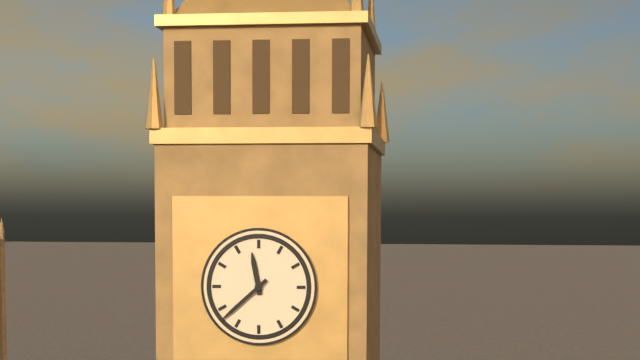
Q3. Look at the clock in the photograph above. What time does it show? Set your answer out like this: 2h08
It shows 11h38
